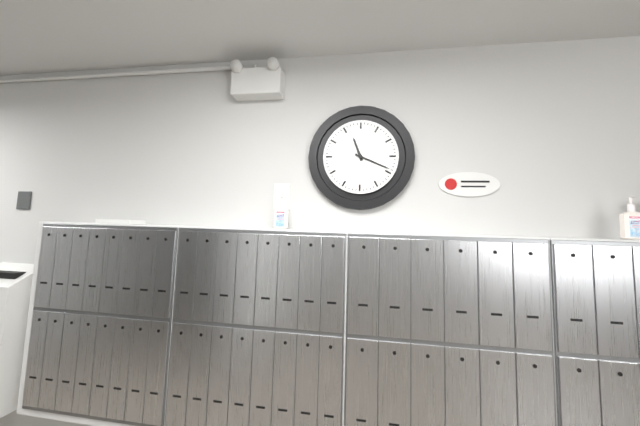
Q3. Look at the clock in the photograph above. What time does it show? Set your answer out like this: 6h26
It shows 11h19
